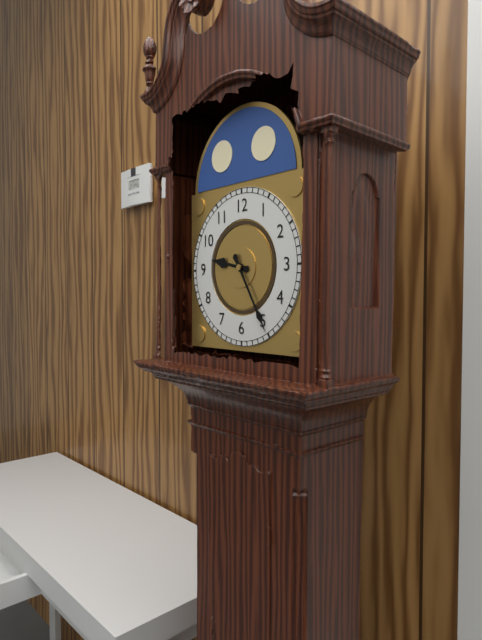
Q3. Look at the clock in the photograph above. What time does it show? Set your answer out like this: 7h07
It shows 9h25
